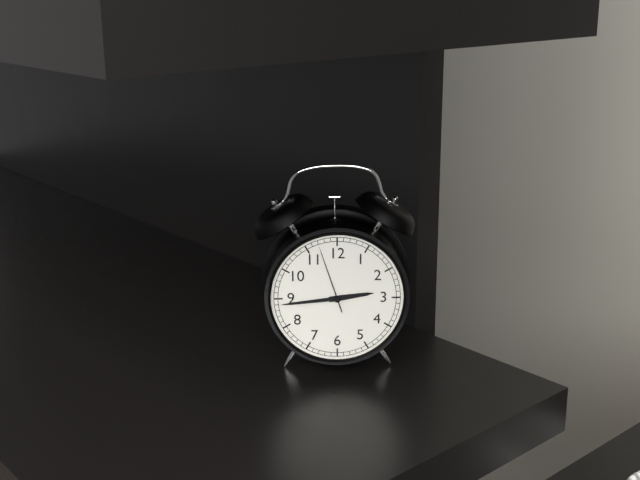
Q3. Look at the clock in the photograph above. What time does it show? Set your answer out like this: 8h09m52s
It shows 2h44m57s
